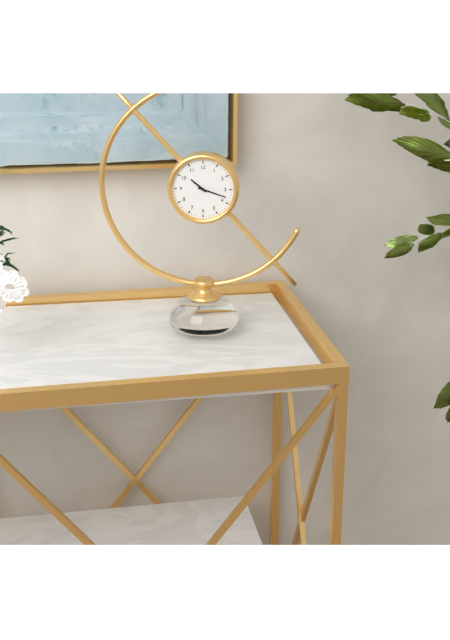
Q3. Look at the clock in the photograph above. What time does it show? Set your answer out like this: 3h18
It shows 10h18
